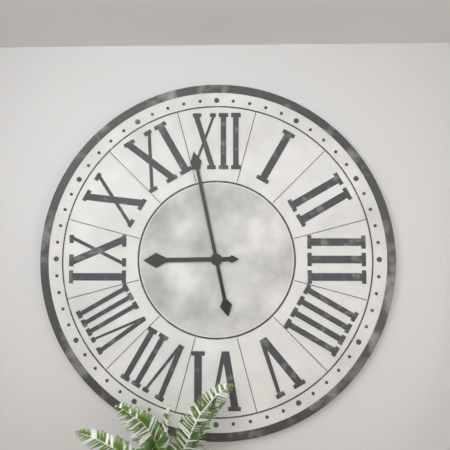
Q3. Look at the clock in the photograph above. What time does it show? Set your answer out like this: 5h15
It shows 8h58
